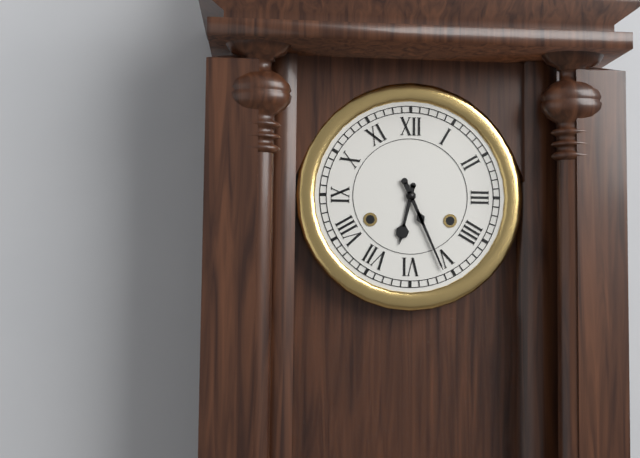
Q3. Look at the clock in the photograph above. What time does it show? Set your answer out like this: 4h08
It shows 6h26
